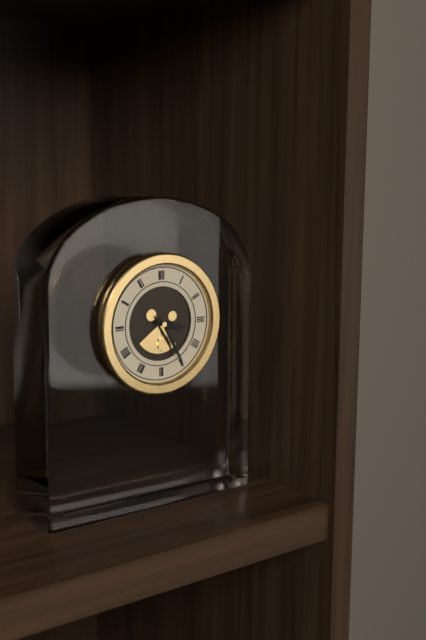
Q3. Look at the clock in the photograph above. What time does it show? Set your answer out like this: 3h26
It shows 3h25
